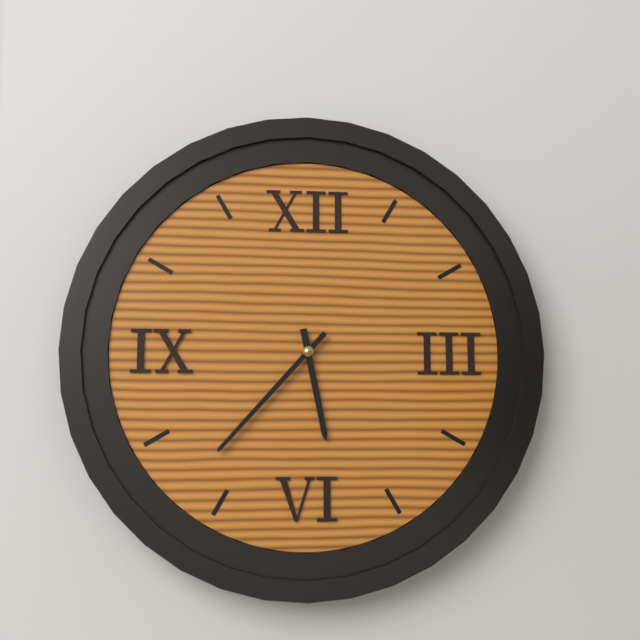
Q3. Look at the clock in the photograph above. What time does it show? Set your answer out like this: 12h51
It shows 5h37
